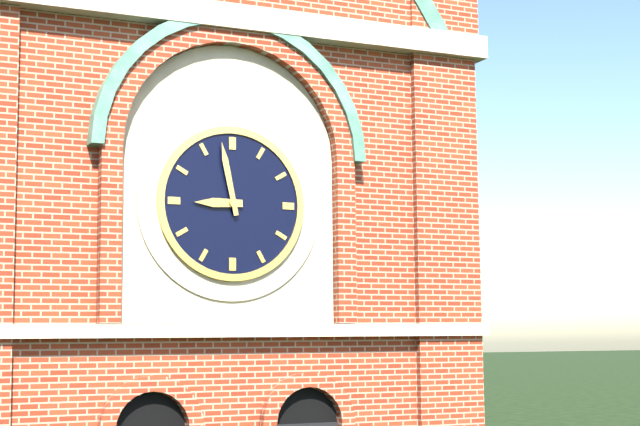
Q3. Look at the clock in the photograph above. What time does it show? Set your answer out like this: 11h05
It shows 8h58
